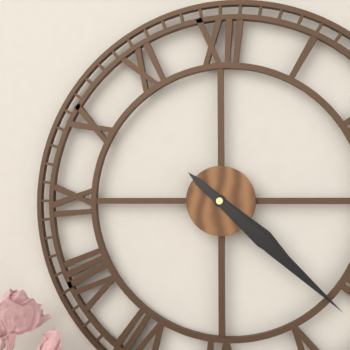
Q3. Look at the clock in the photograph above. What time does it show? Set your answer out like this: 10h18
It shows 4h22
